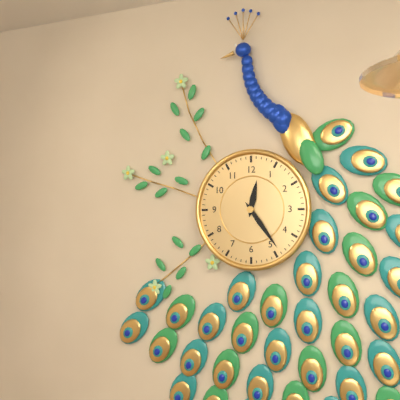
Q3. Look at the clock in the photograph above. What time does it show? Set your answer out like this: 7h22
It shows 12h24
